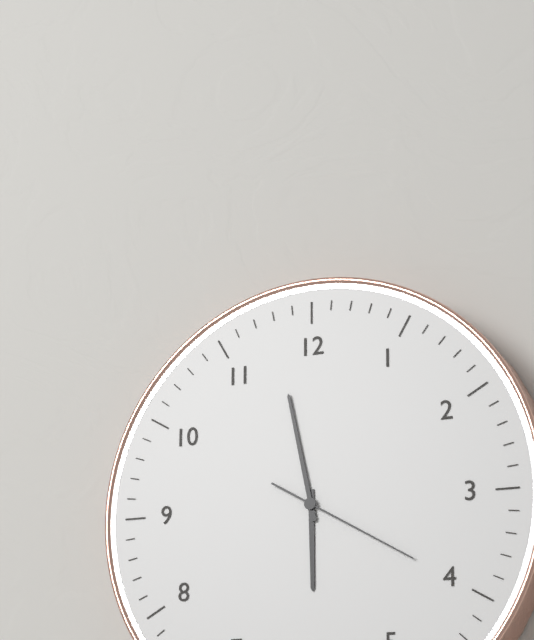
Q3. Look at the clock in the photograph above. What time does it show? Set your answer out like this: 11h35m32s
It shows 5h58m20s
